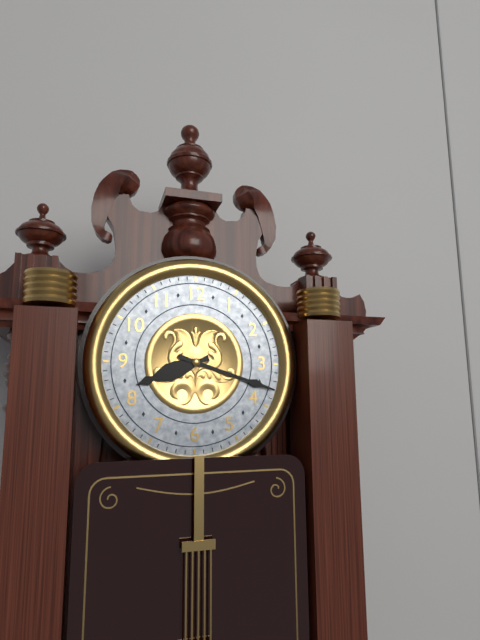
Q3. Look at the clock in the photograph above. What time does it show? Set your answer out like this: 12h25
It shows 8h18
